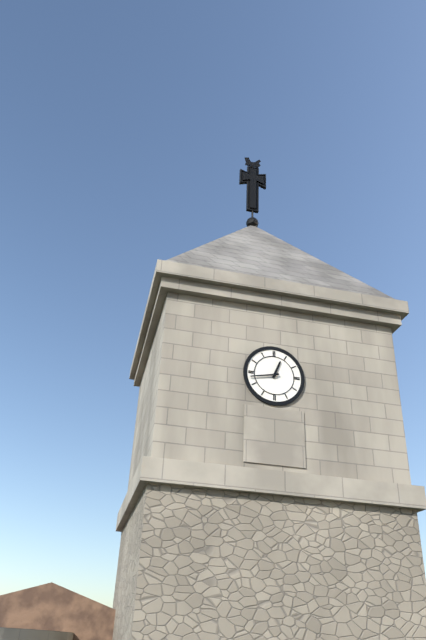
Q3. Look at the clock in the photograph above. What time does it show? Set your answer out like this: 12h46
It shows 12h43
